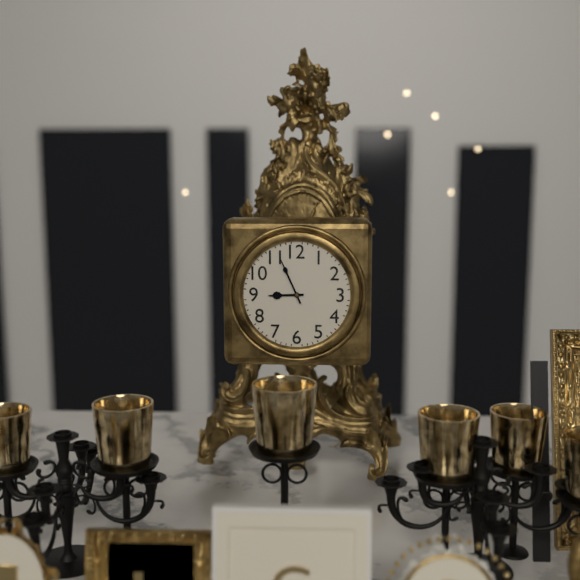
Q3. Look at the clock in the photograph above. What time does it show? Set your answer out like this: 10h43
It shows 8h56
